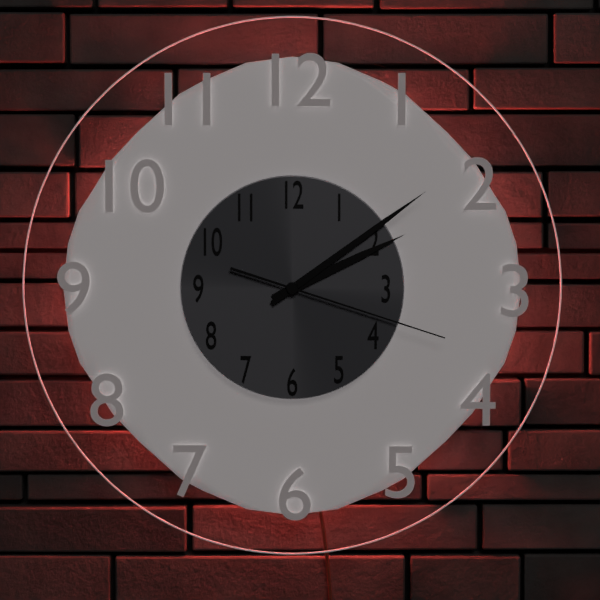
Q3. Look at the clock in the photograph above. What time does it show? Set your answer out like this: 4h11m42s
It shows 2h09m18s
